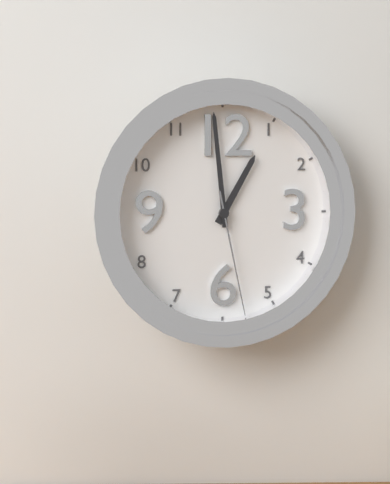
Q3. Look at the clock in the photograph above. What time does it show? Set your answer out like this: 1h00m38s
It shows 12h59m28s
